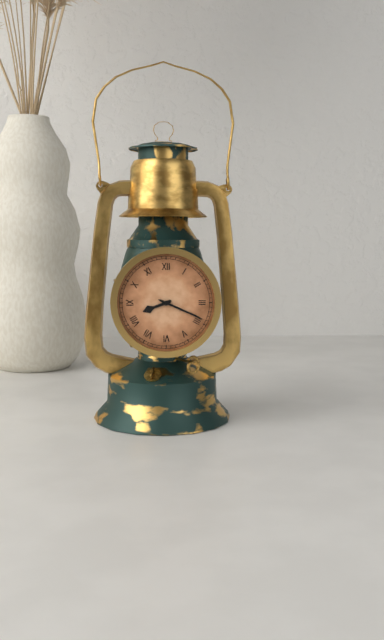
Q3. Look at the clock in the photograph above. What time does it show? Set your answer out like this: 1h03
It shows 8h19
